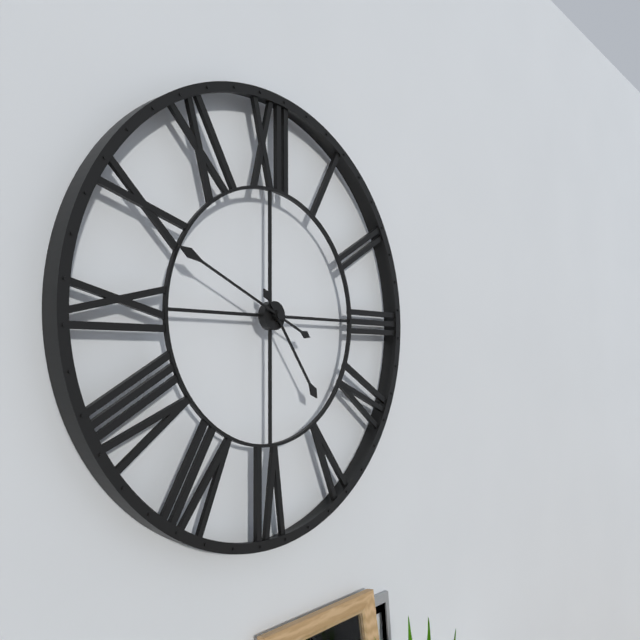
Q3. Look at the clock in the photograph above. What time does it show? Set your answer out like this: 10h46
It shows 4h49
